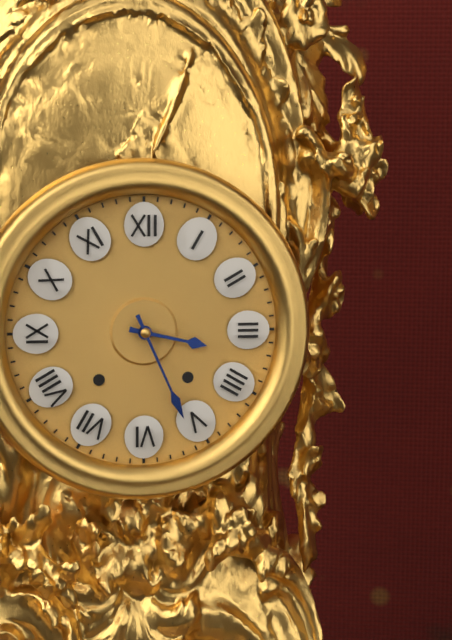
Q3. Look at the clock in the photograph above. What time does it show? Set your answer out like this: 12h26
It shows 3h26
